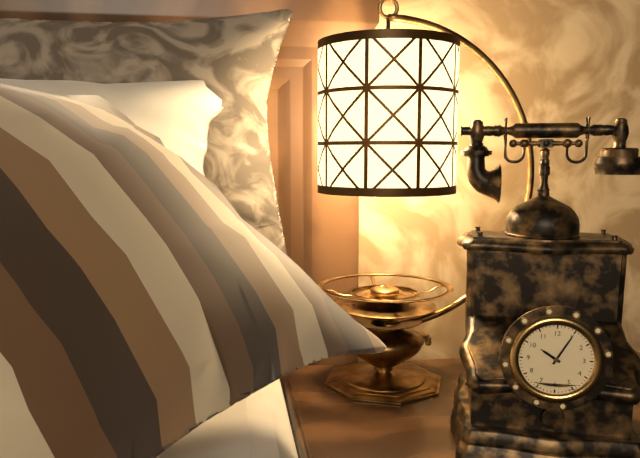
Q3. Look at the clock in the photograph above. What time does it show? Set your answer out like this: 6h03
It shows 10h05
